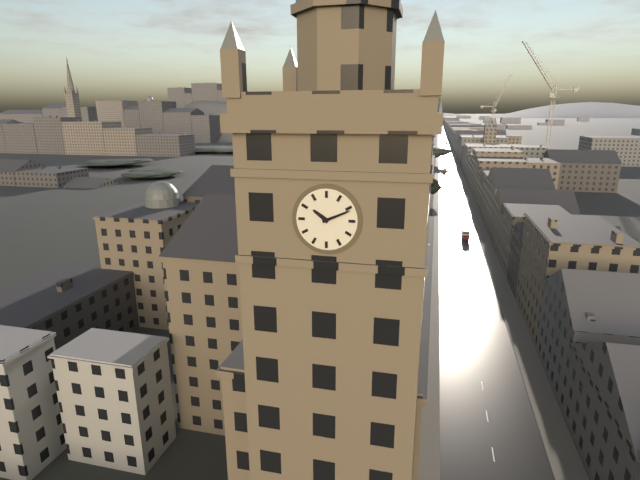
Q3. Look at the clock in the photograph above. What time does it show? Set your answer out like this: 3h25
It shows 10h11
